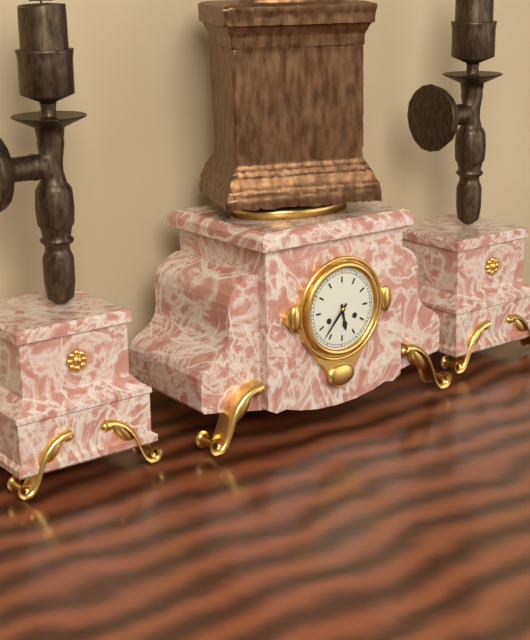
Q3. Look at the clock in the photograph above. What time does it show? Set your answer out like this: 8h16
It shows 5h37
